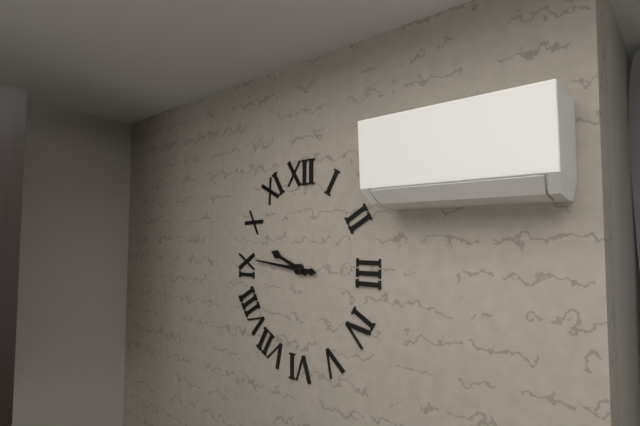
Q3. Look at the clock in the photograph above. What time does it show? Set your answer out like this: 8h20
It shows 9h46
